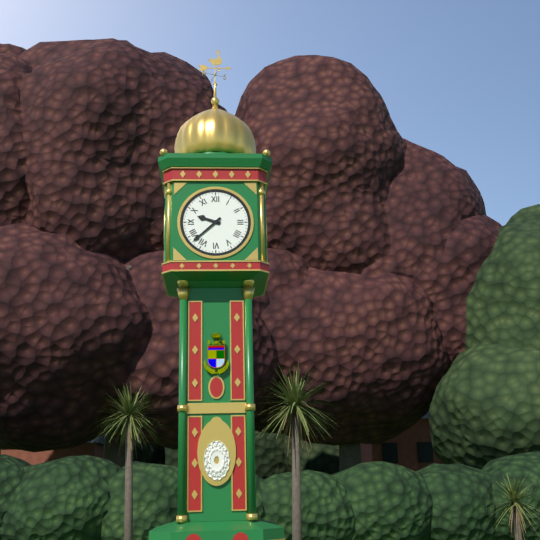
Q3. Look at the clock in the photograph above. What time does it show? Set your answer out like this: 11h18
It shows 9h38
